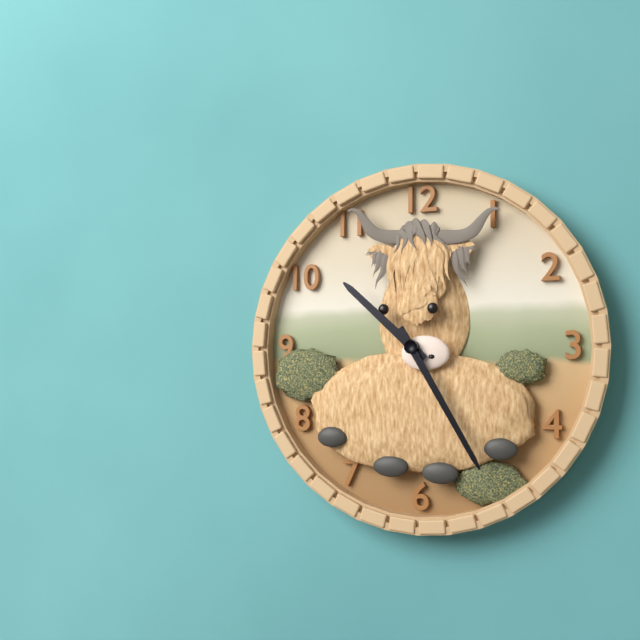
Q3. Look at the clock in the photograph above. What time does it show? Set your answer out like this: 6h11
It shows 10h25
